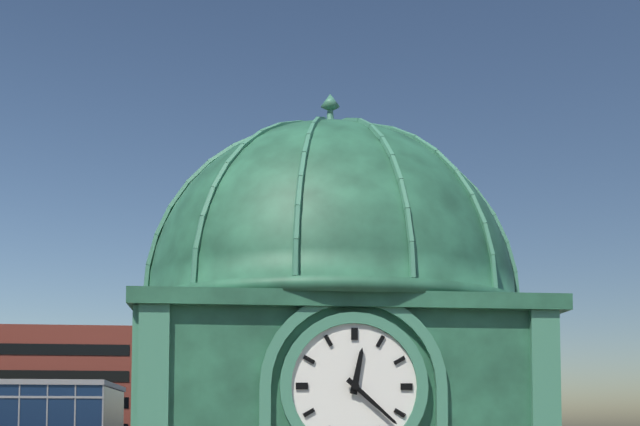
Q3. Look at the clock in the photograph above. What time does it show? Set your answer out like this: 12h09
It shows 12h22
